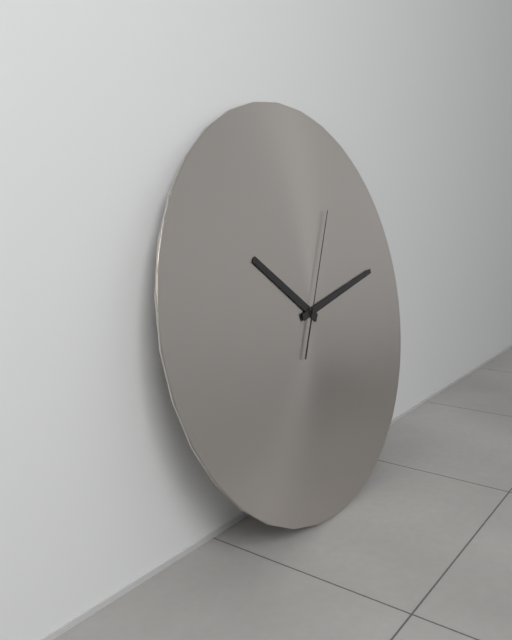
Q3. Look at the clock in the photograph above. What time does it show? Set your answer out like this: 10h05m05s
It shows 10h13m05s
